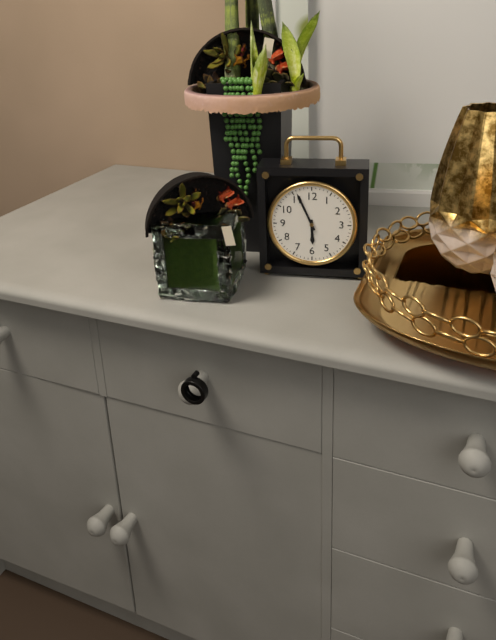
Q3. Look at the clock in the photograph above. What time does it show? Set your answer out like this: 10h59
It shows 5h56
